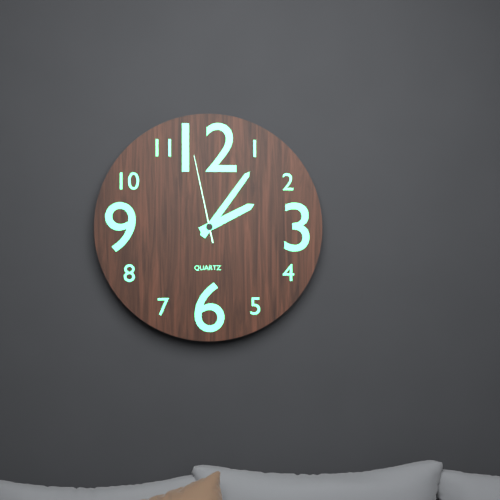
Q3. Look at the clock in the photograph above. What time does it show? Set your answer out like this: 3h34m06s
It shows 2h06m58s
